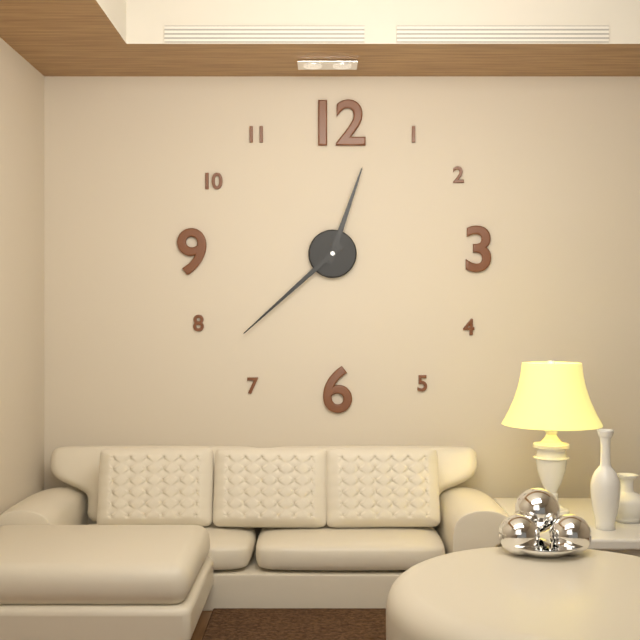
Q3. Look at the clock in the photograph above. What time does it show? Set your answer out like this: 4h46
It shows 12h38
